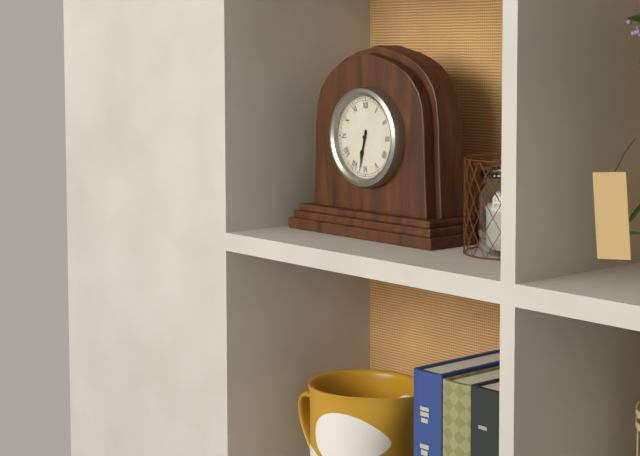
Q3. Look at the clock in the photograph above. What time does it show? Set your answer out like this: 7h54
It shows 6h32
